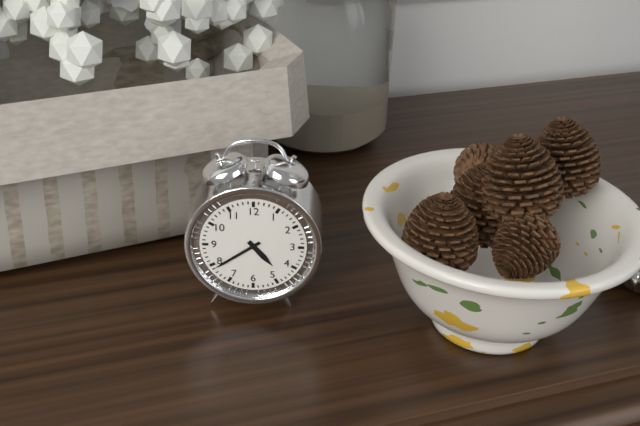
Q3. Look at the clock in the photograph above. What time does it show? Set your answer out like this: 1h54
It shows 4h39
